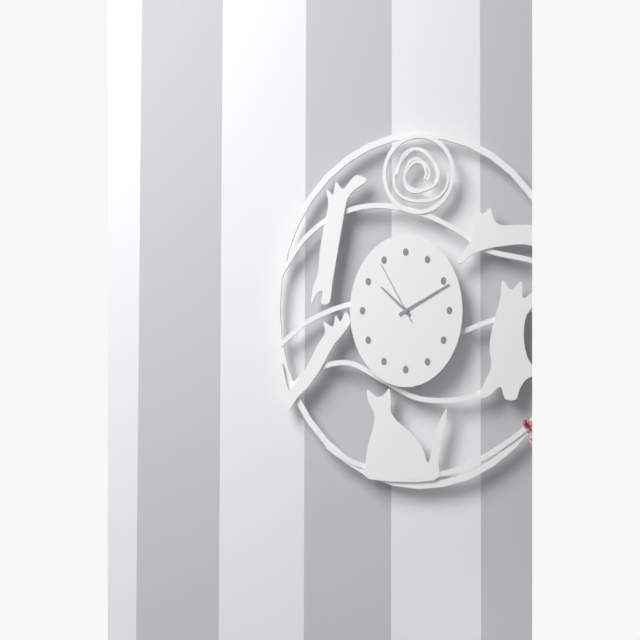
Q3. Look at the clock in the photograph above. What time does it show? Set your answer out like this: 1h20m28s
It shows 10h11m54s
